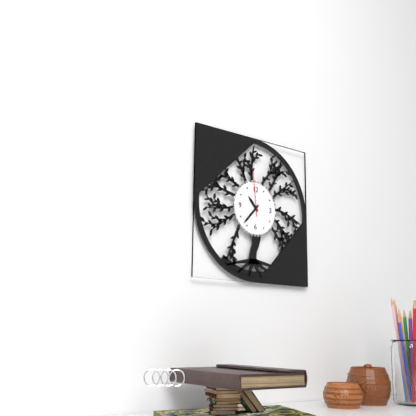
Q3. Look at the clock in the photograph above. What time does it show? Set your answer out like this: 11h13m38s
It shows 10h37m59s
